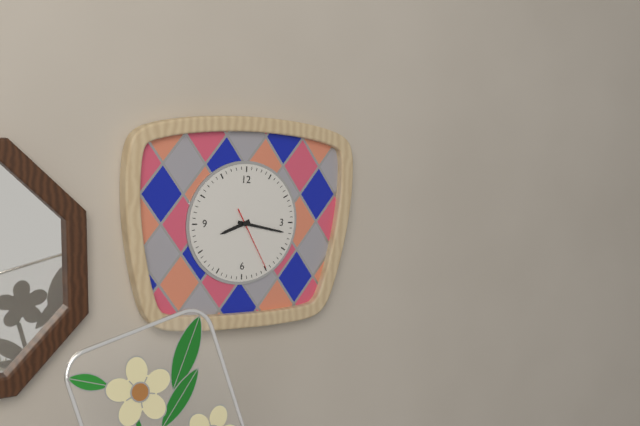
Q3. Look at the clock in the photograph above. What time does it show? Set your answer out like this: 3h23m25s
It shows 8h17m25s
